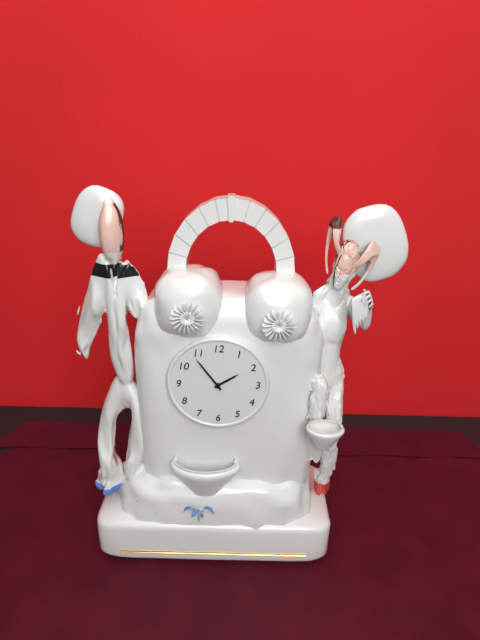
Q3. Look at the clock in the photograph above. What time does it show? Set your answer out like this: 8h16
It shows 1h54
